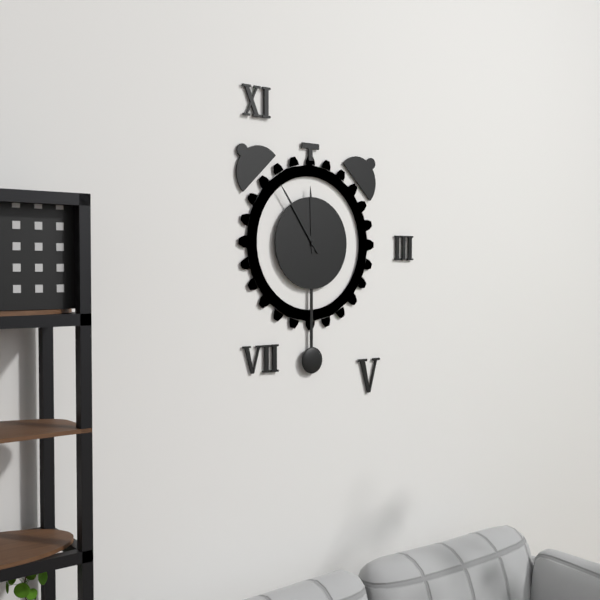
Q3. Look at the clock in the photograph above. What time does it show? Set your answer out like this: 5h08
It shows 11h54
